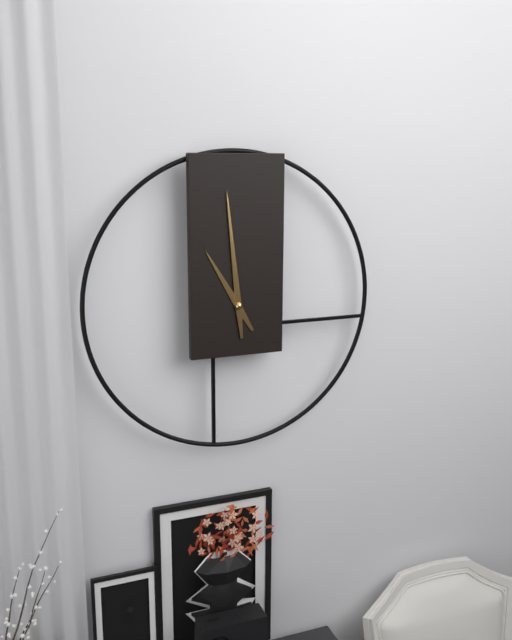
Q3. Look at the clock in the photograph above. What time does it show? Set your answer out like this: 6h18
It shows 10h59
